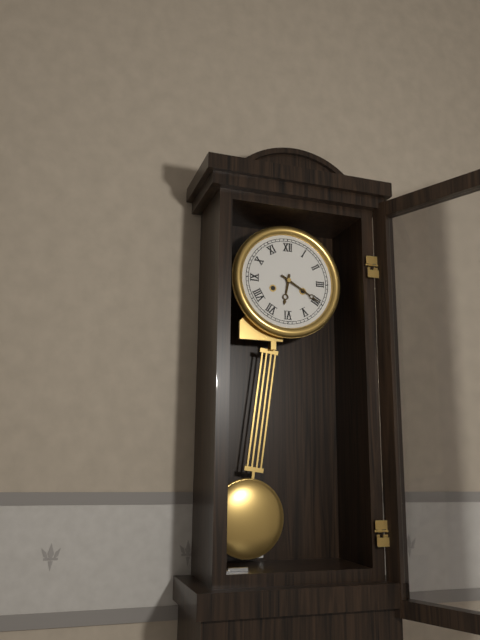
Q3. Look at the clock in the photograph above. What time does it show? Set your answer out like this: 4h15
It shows 6h20
